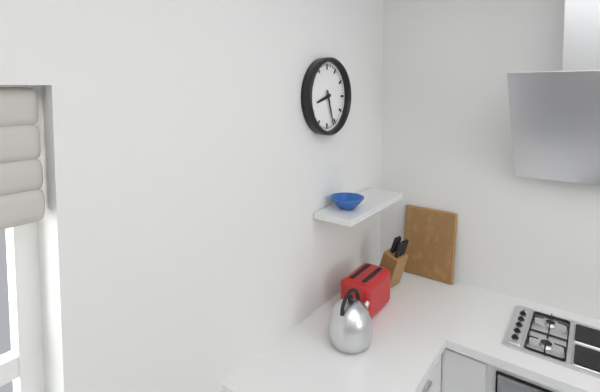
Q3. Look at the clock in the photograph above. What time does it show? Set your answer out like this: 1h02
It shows 8h27
